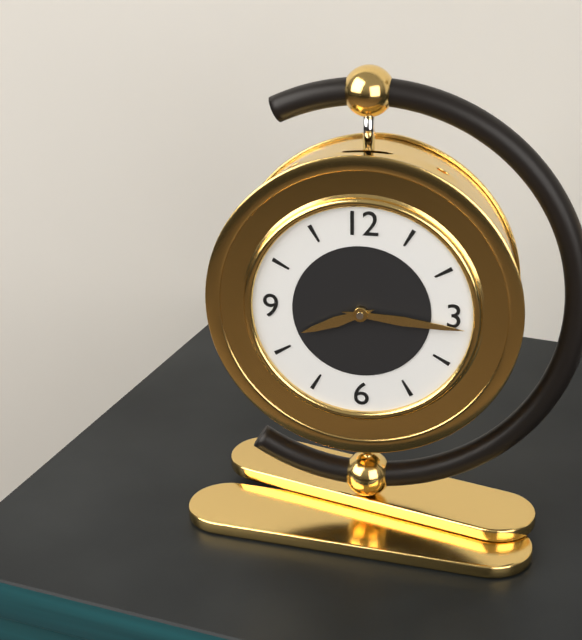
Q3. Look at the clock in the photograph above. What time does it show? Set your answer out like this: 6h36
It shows 8h16
